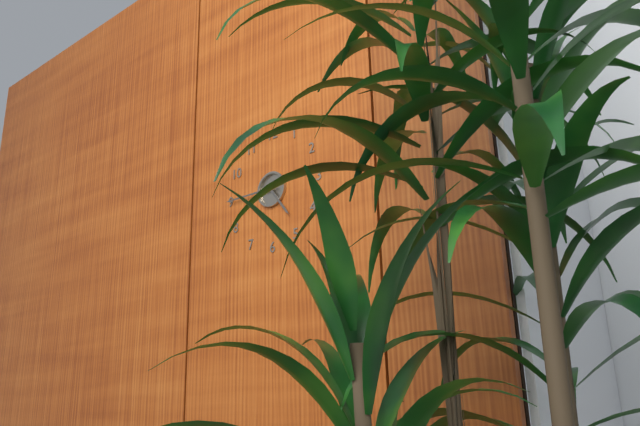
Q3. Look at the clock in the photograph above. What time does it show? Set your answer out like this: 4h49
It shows 4h45
